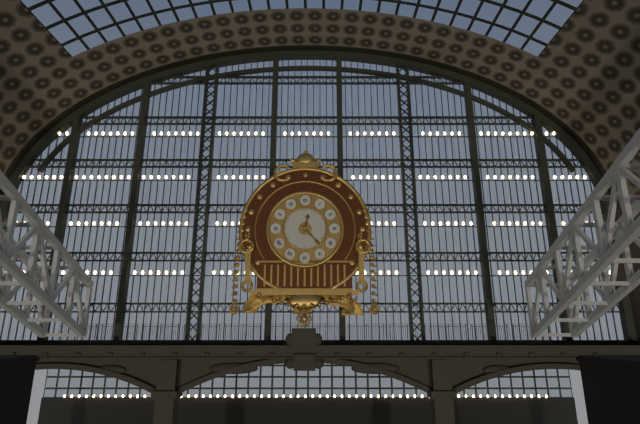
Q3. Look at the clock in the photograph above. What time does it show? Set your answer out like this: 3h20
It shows 12h23
